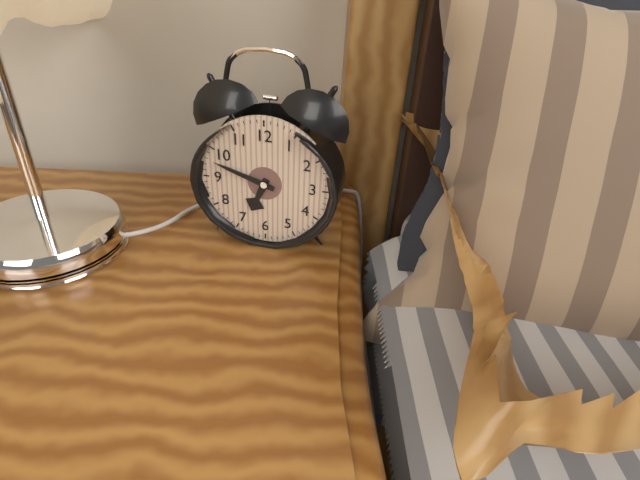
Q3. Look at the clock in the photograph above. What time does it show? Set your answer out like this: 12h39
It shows 6h48
